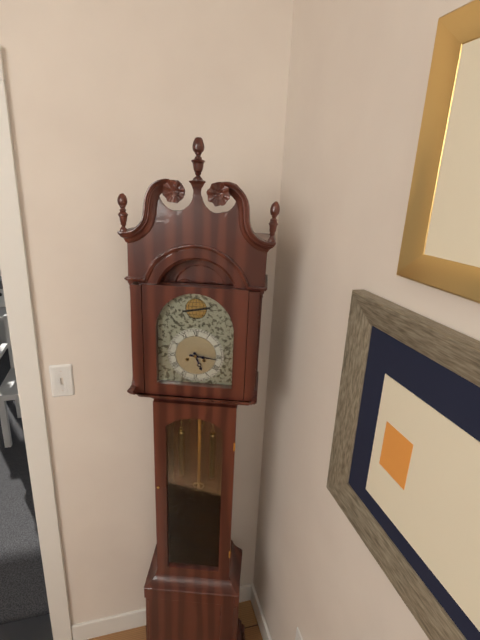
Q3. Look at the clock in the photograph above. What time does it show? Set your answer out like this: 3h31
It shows 5h16
